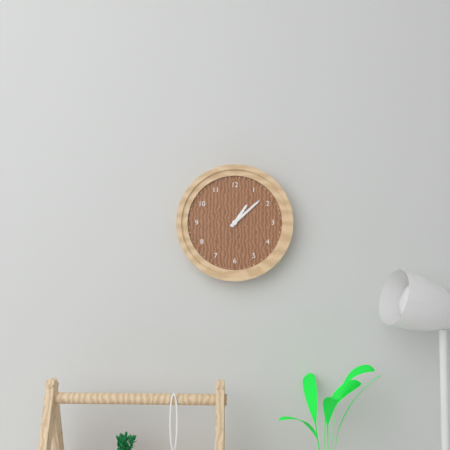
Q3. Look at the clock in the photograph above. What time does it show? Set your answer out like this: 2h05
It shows 1h08
